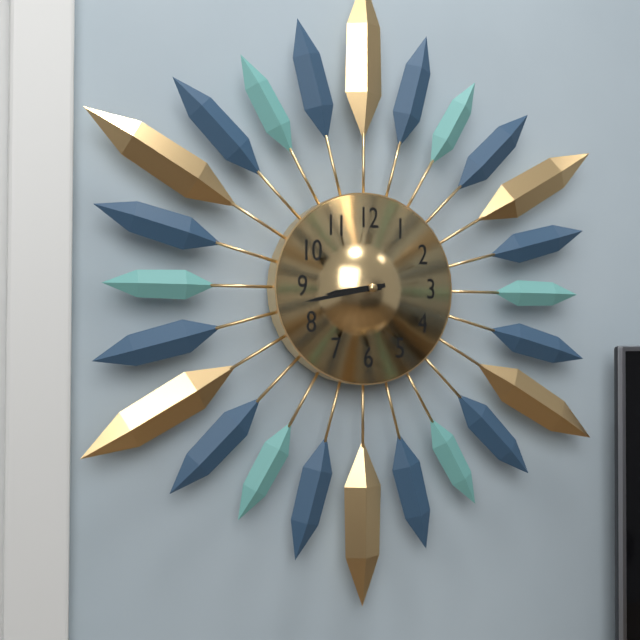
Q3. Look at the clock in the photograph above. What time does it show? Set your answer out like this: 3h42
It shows 8h43
